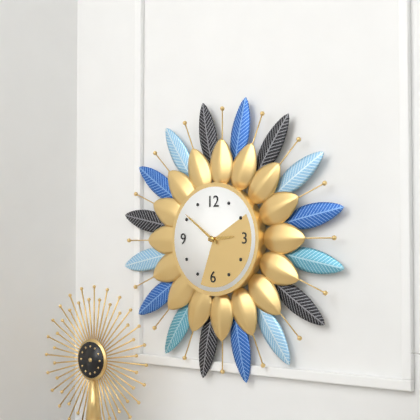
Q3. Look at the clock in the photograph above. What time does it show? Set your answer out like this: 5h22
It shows 2h51
